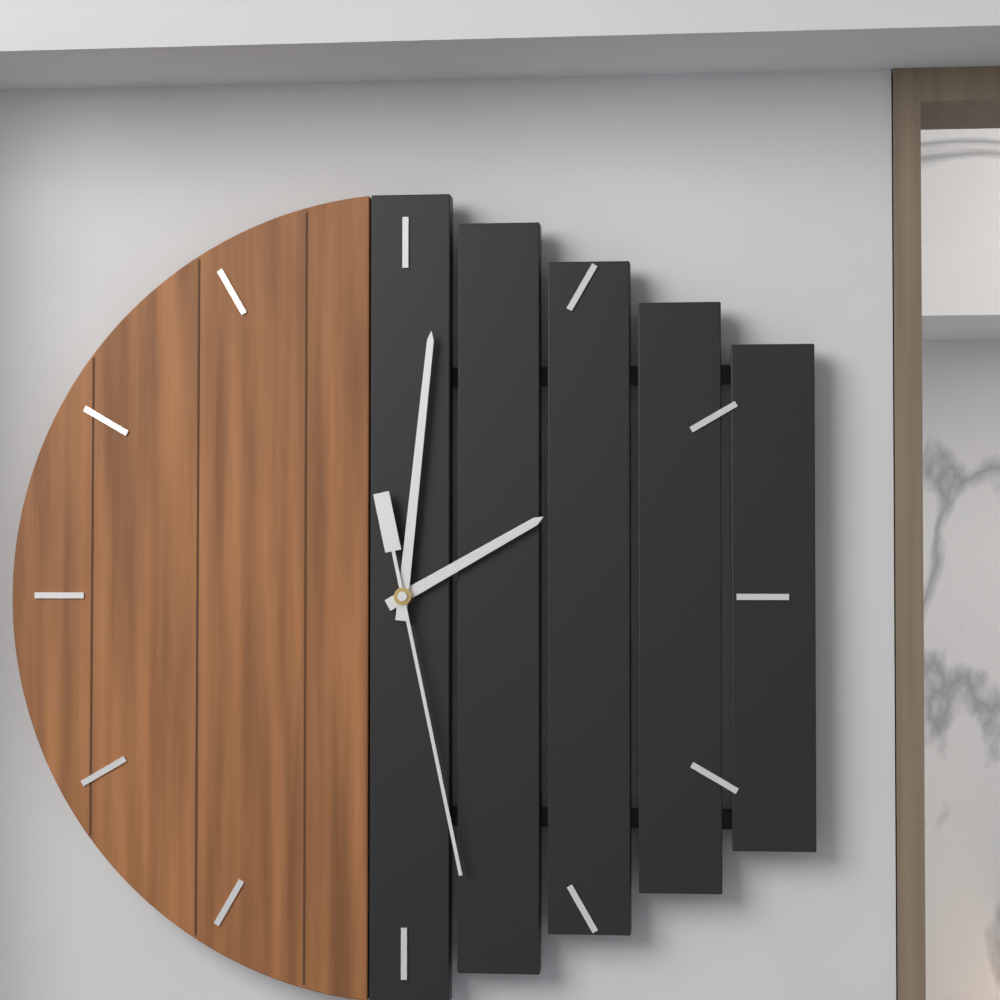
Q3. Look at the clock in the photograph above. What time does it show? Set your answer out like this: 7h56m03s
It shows 2h01m28s
